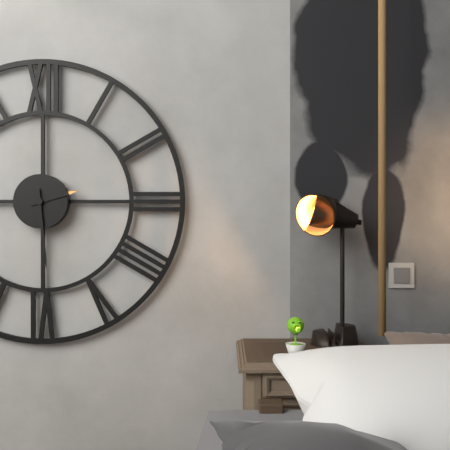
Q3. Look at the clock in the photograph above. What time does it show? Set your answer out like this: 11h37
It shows 2h29
